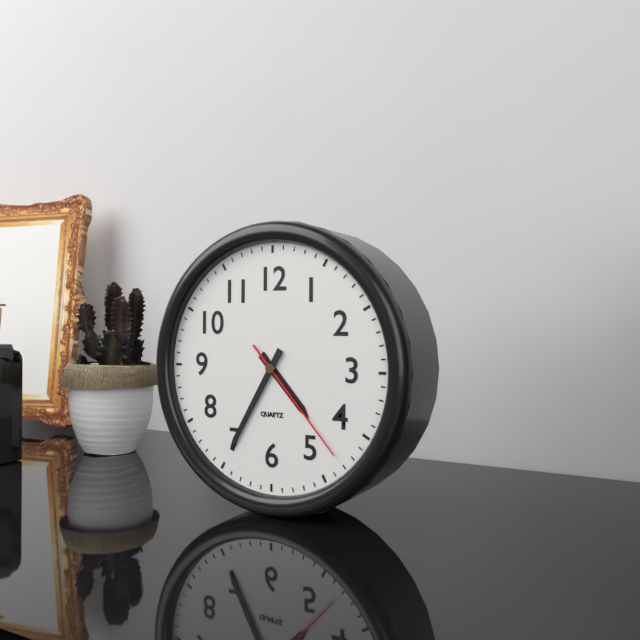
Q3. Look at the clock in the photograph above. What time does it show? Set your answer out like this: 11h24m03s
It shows 4h35m23s
